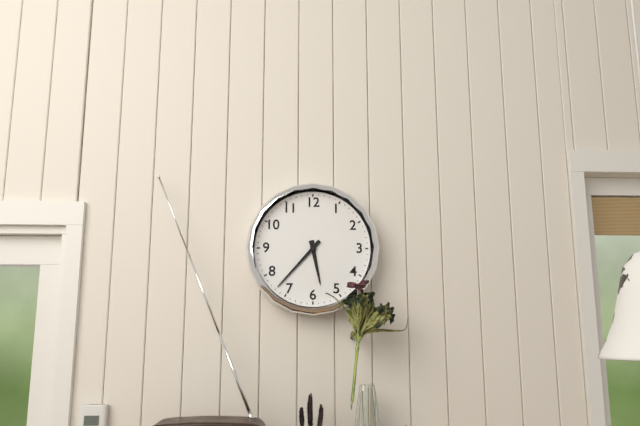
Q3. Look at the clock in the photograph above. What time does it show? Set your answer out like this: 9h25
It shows 5h37
